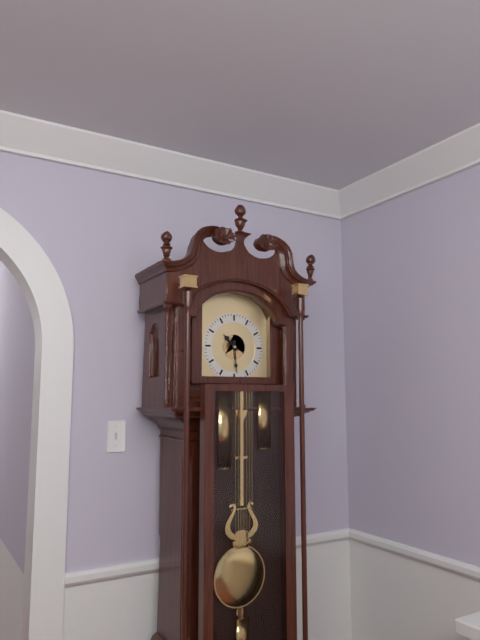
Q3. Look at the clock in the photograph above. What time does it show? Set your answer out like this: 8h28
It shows 10h29
